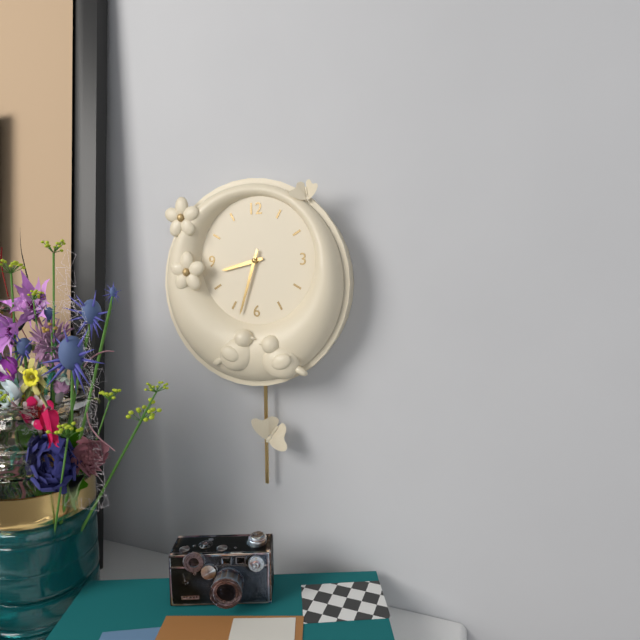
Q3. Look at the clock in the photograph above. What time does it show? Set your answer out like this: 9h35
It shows 8h33
